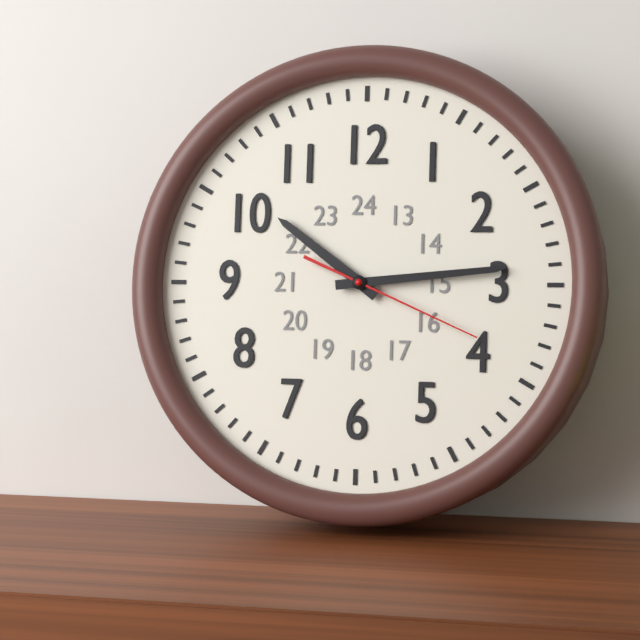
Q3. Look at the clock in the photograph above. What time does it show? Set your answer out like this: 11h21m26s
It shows 10h14m19s
